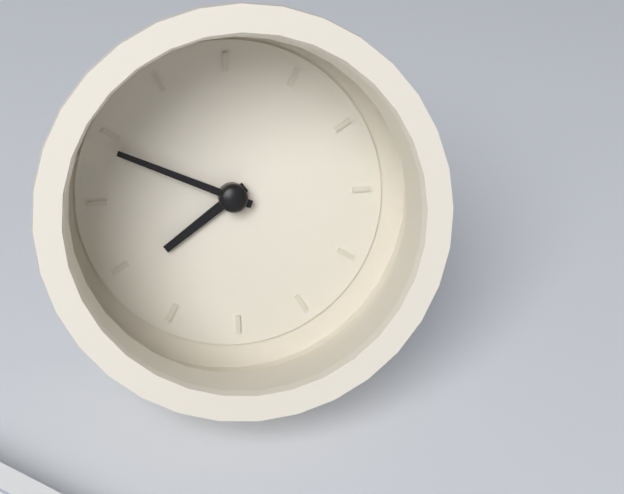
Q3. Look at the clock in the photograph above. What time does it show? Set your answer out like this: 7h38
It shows 7h49
